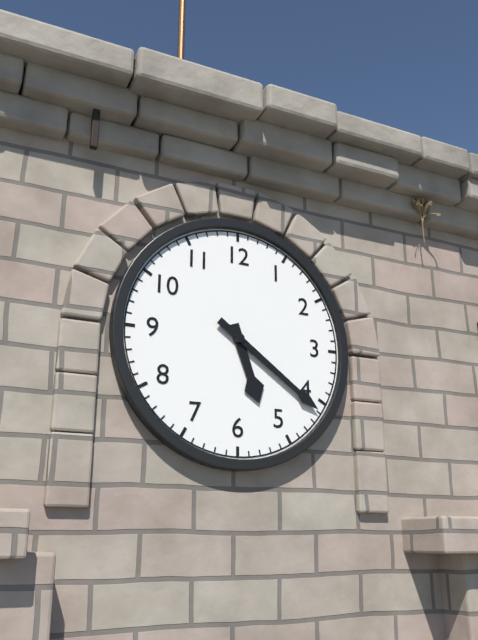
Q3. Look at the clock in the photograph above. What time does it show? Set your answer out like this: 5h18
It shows 5h21
